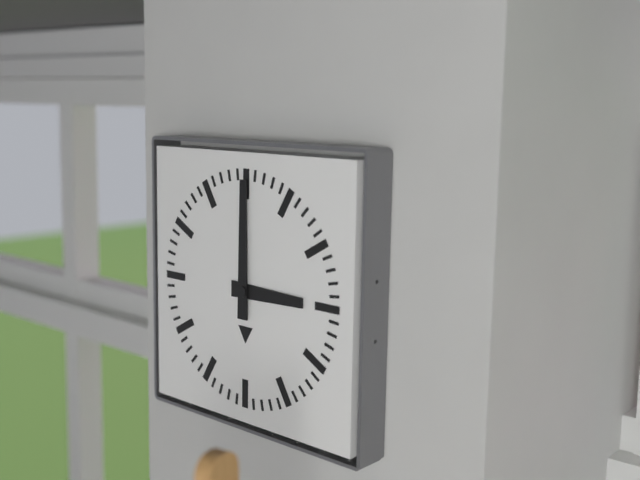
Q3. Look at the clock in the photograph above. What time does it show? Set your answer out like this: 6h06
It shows 3h00
